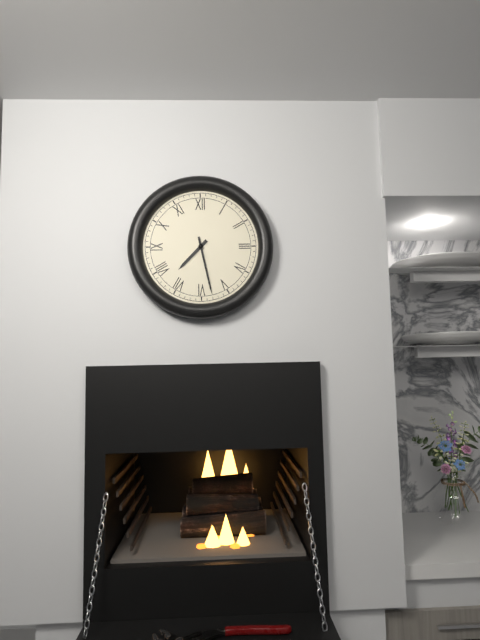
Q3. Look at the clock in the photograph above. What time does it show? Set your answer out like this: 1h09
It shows 7h28
